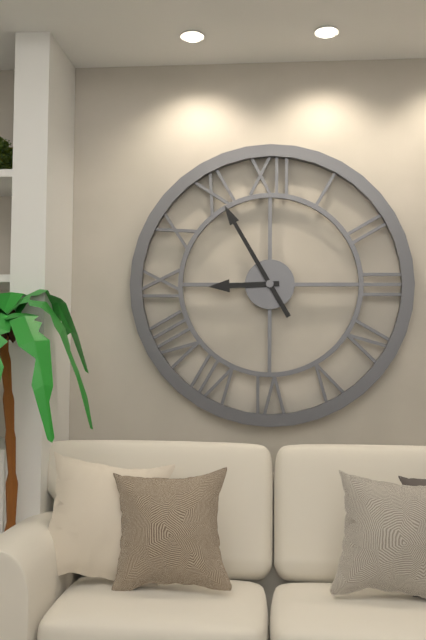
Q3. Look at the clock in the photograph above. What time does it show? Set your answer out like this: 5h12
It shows 8h55
